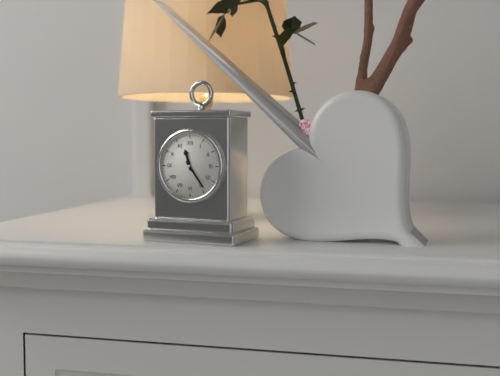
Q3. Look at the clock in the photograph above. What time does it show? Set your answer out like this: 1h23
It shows 11h24
